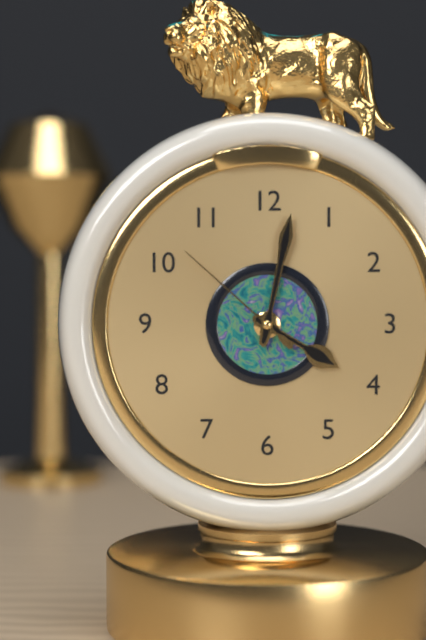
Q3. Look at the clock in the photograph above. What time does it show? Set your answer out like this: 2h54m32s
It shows 4h02m52s
